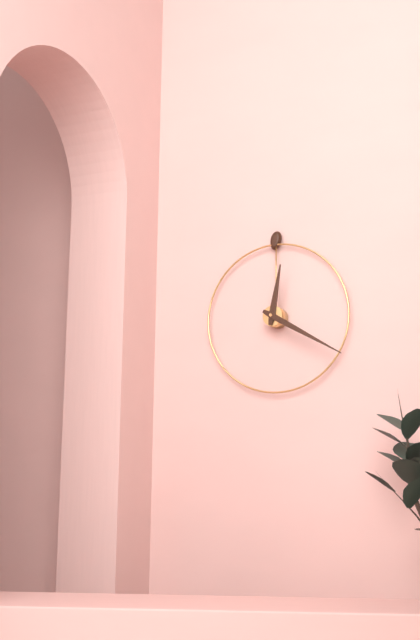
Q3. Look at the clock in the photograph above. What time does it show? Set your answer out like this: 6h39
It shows 12h20
